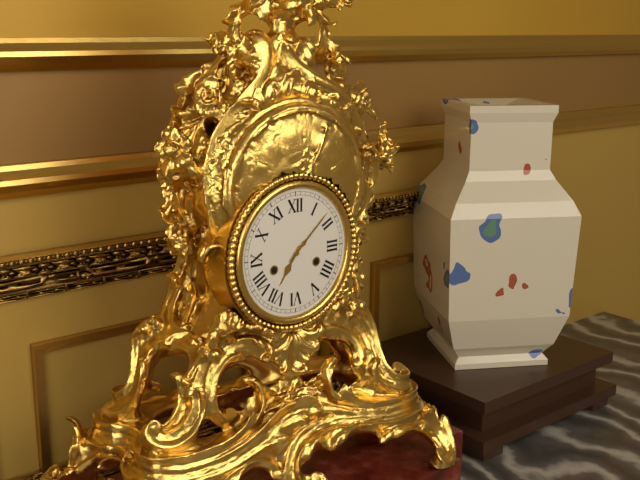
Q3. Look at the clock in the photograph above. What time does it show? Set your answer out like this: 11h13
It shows 7h08
